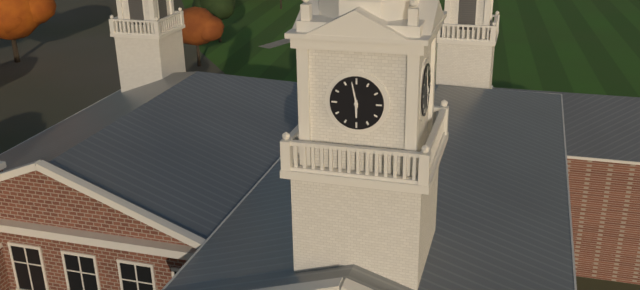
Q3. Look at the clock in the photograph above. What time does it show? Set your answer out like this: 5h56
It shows 5h58
